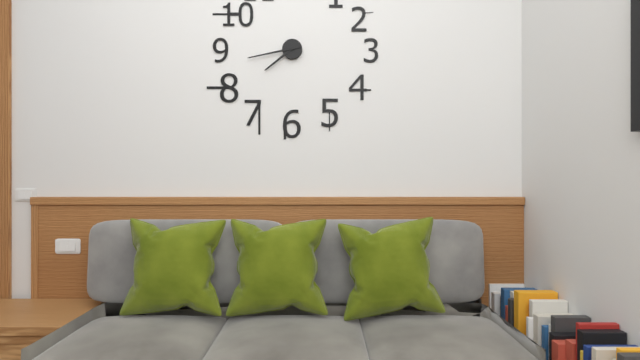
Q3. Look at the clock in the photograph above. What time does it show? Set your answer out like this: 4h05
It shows 7h43
